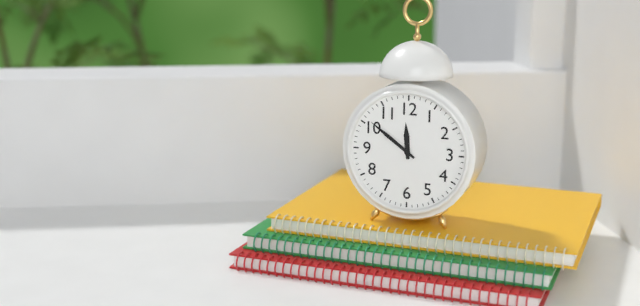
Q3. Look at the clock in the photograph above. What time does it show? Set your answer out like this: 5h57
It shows 11h51
